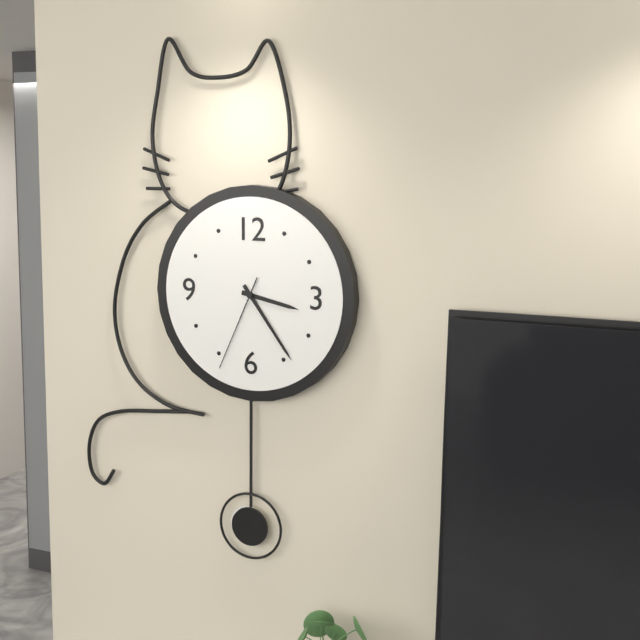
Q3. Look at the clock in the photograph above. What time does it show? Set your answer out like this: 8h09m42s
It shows 3h24m34s
